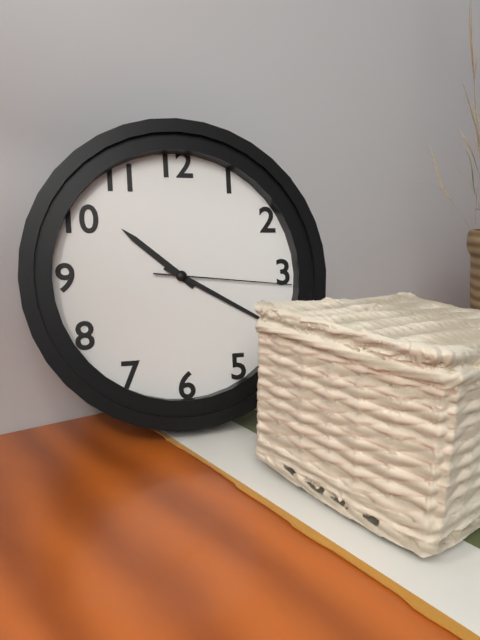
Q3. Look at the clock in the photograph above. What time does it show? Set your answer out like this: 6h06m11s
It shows 10h20m16s
